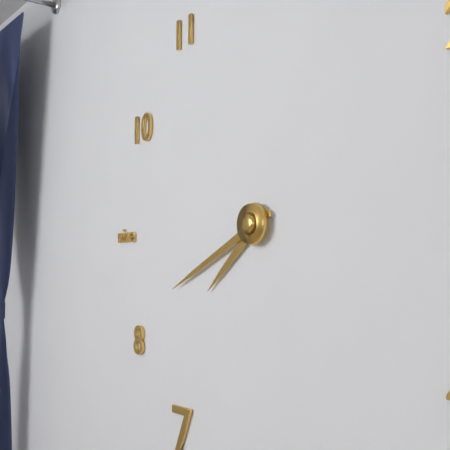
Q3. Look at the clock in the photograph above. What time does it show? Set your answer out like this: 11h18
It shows 7h41
